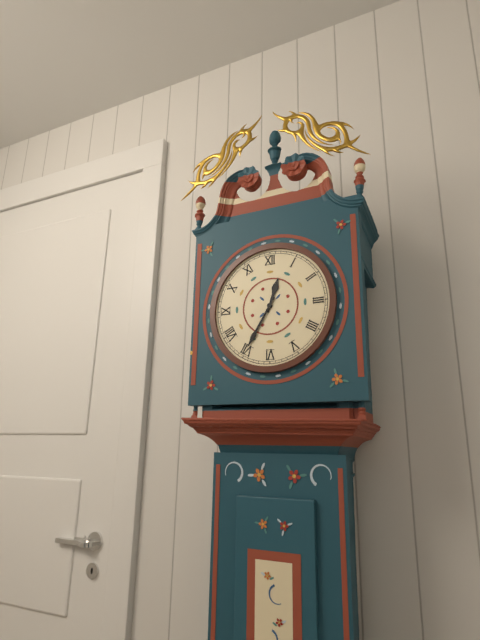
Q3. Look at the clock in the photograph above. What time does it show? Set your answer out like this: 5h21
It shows 12h35
